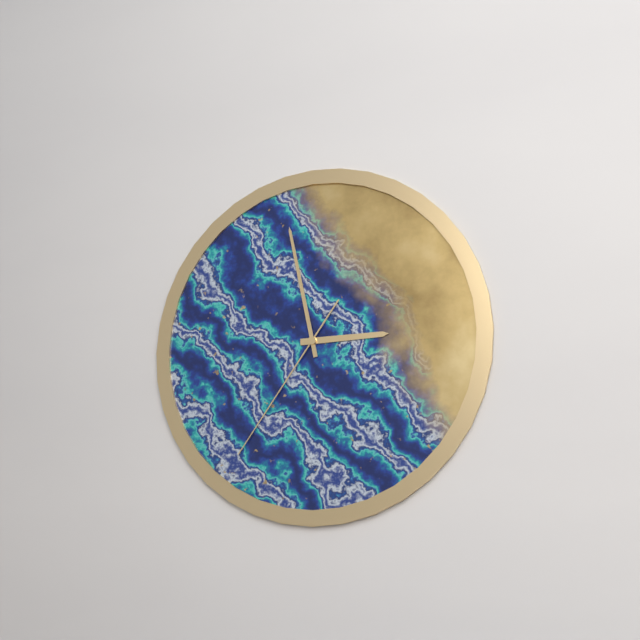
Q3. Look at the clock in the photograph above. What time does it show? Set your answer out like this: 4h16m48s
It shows 2h58m36s
